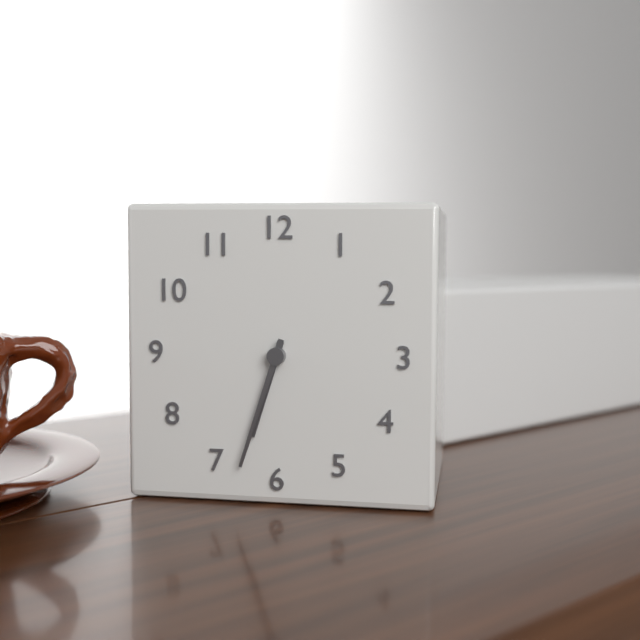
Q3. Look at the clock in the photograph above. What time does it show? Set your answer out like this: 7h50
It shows 6h33
